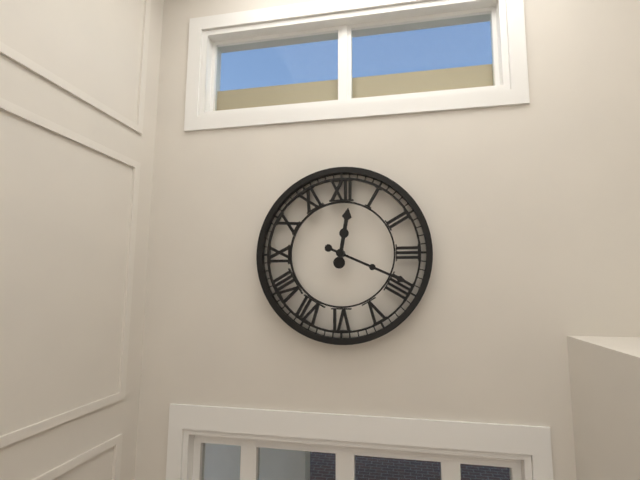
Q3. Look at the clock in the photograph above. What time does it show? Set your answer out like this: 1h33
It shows 12h19
